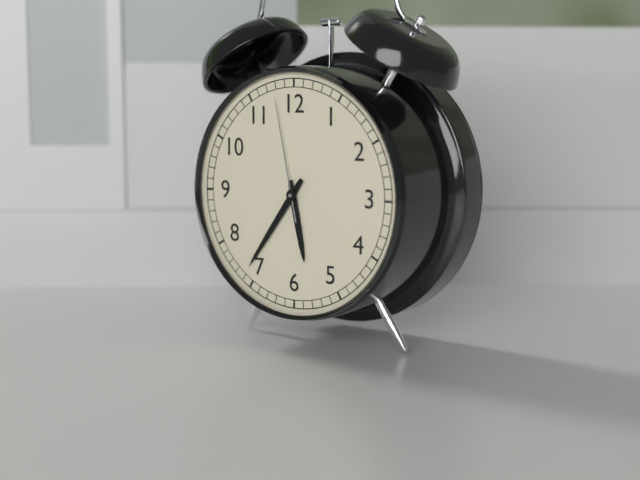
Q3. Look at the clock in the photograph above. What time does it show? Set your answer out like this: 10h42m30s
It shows 5h36m58s
